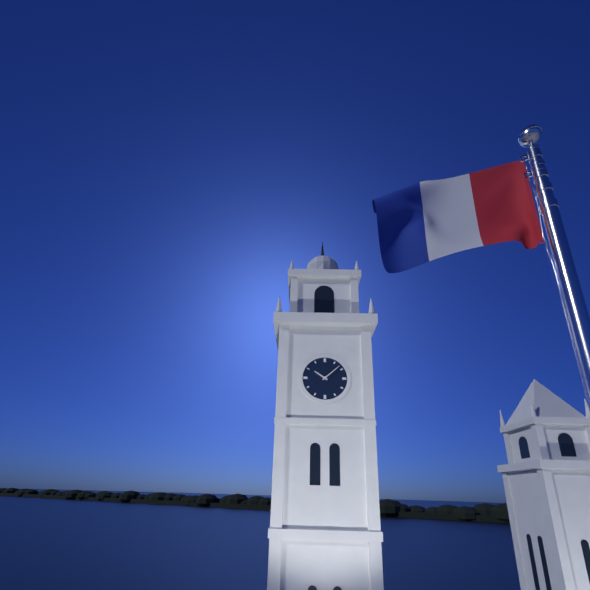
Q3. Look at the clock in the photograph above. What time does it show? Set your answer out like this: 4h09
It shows 10h08
